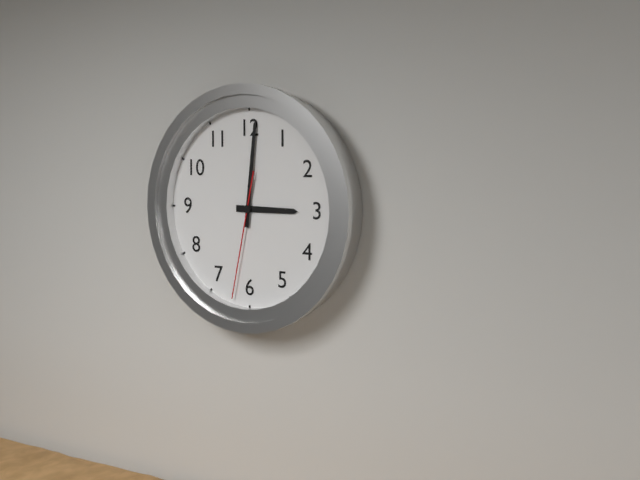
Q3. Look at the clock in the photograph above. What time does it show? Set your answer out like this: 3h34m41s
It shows 3h01m32s
